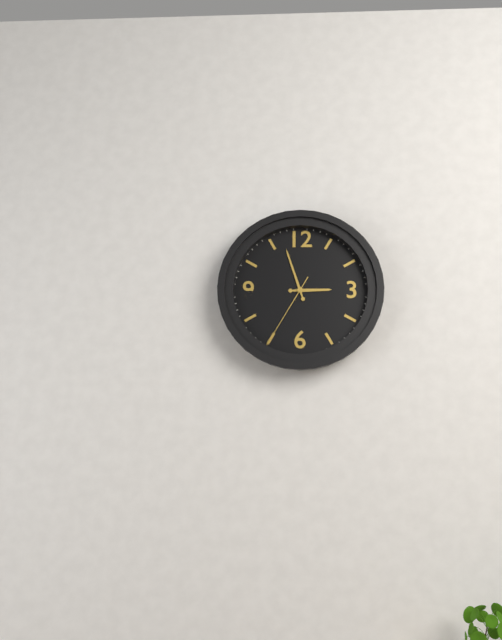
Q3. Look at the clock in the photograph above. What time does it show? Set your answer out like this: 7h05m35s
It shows 2h57m35s
